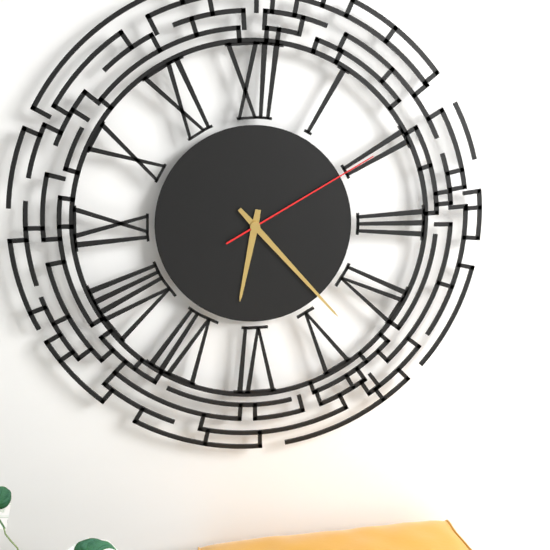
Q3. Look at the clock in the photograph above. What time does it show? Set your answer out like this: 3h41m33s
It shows 6h23m10s
